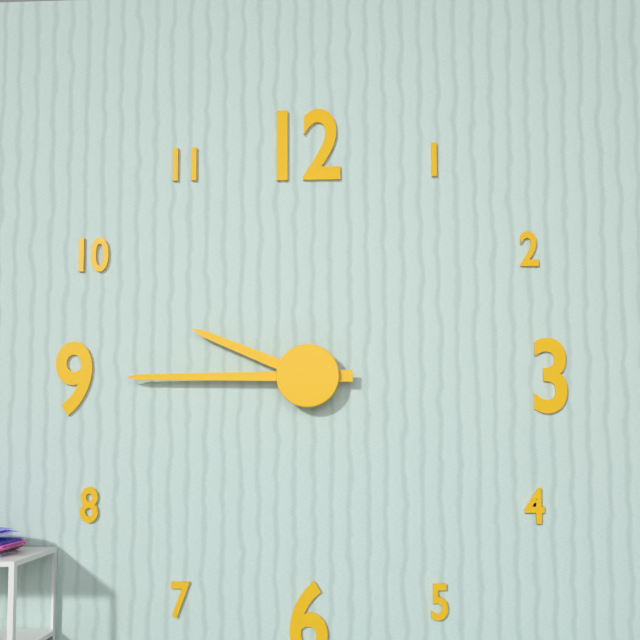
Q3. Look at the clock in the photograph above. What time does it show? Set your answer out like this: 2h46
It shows 9h45
